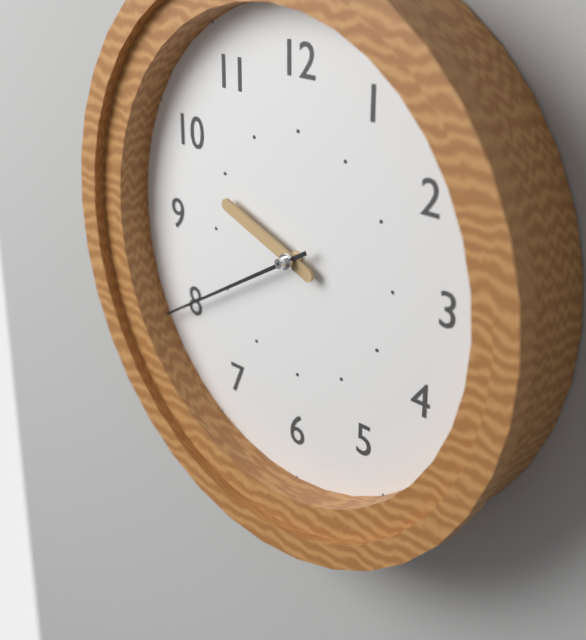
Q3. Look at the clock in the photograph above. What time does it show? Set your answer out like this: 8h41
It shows 9h40
